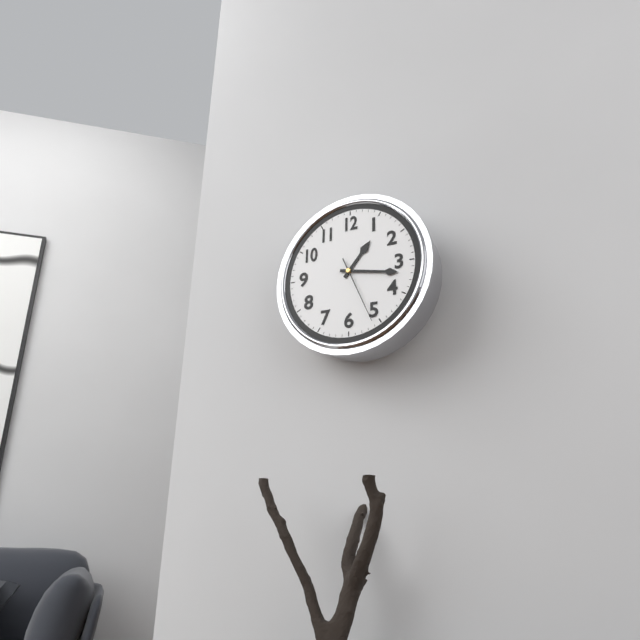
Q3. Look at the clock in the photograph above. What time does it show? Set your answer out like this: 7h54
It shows 1h17
